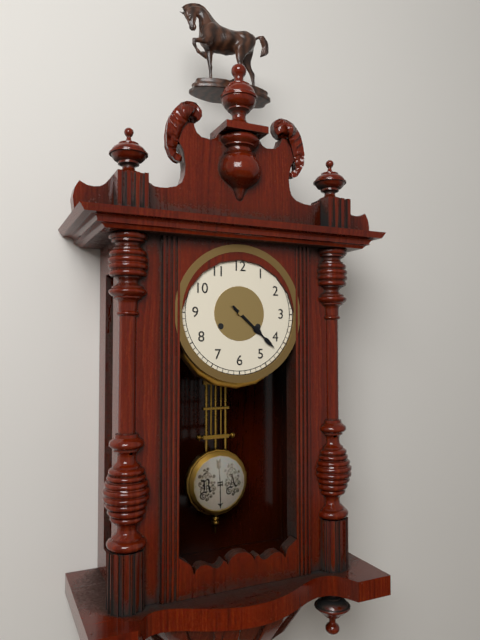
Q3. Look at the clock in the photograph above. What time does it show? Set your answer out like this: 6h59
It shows 4h22
